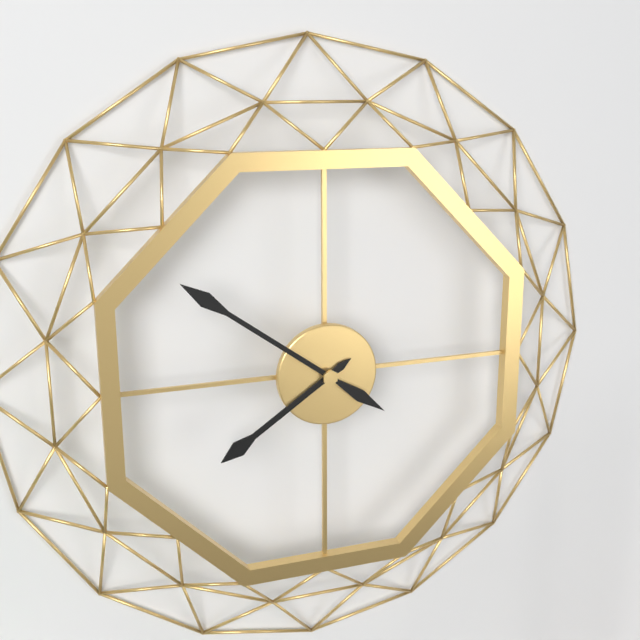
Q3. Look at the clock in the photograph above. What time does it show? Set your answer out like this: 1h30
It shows 7h51
